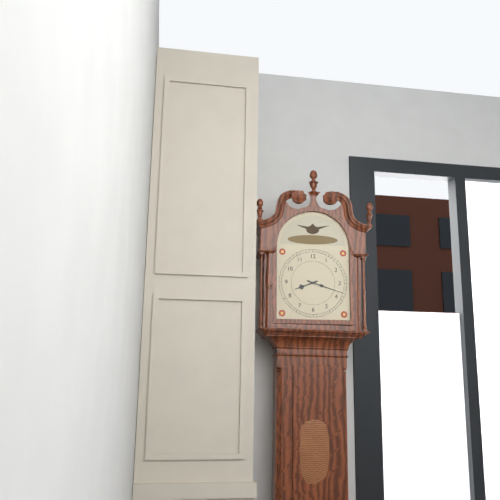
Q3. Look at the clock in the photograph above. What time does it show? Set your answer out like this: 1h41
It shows 8h18
